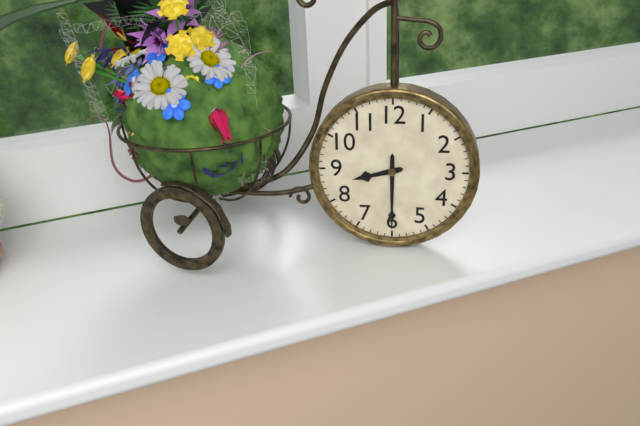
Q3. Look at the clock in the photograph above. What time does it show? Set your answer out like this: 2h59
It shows 8h30
